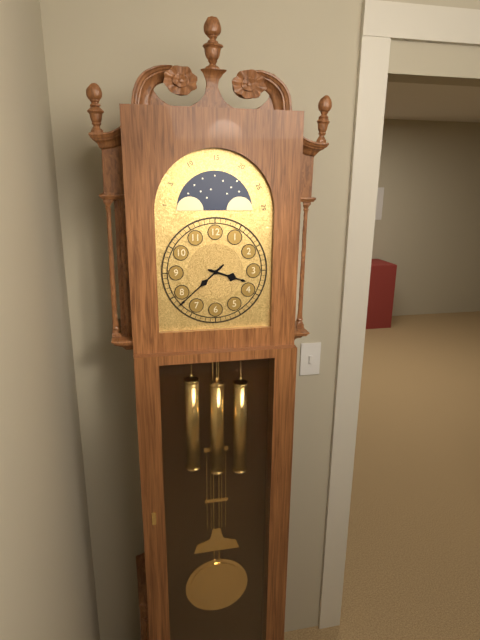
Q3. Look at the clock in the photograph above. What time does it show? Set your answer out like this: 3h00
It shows 3h38
